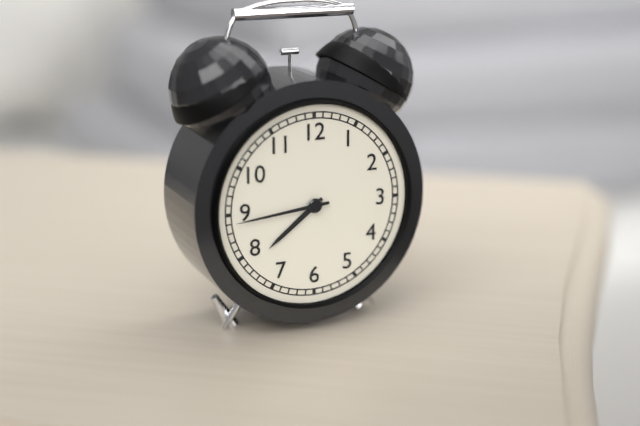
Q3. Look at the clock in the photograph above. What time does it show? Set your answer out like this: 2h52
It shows 7h44
